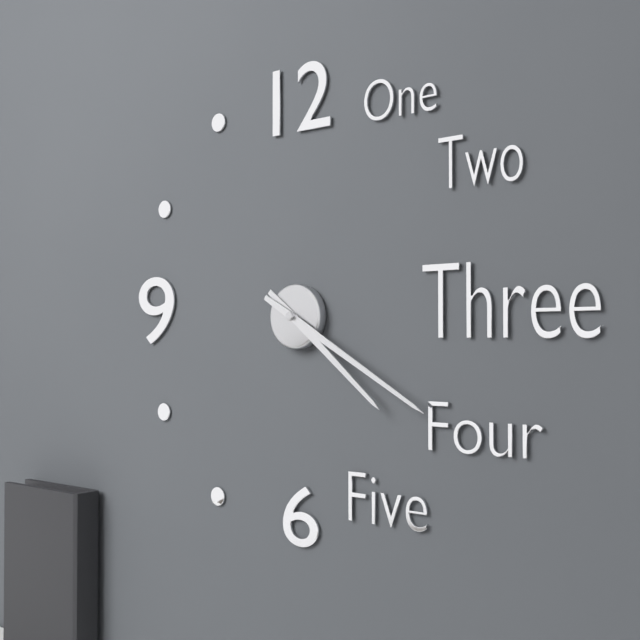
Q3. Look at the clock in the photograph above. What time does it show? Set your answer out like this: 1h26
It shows 4h20
